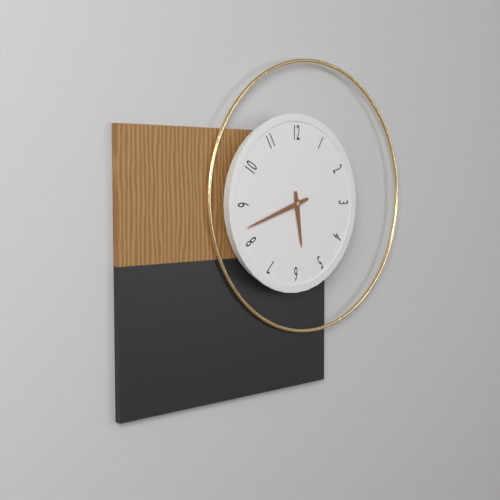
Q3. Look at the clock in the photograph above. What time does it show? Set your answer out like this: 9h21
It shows 5h42
